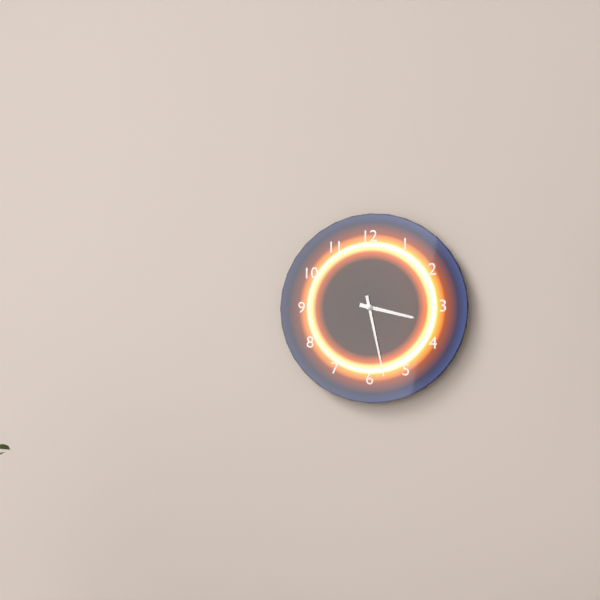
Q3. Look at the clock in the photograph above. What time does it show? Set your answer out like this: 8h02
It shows 3h28
